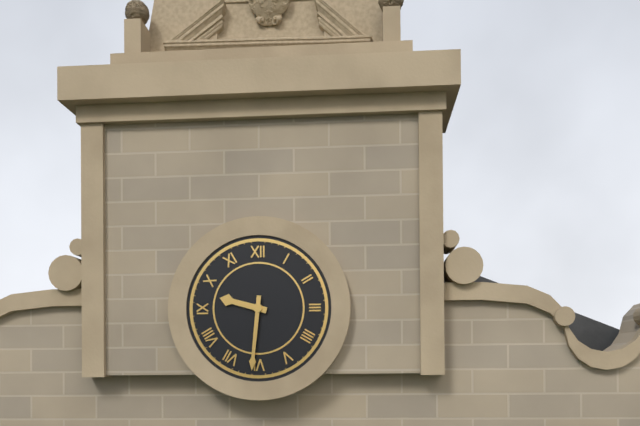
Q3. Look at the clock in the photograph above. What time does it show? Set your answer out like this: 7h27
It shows 9h31
